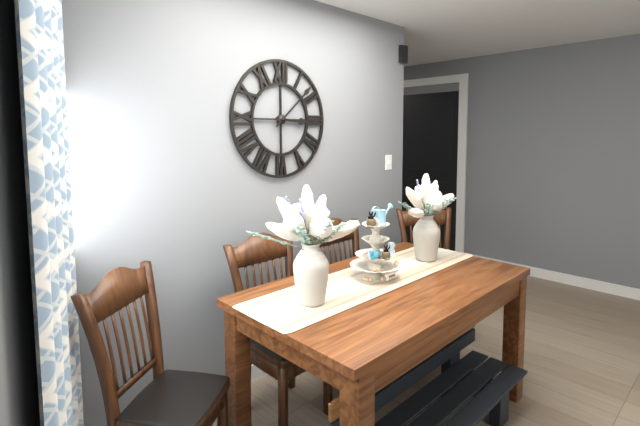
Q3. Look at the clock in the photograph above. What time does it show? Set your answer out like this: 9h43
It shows 3h08
